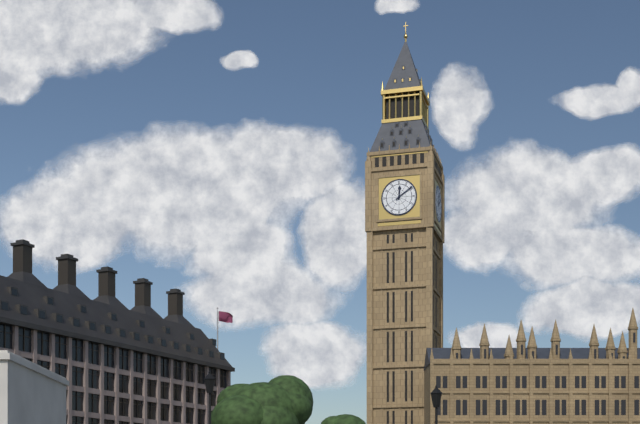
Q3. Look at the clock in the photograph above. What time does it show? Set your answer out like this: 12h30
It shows 12h09
